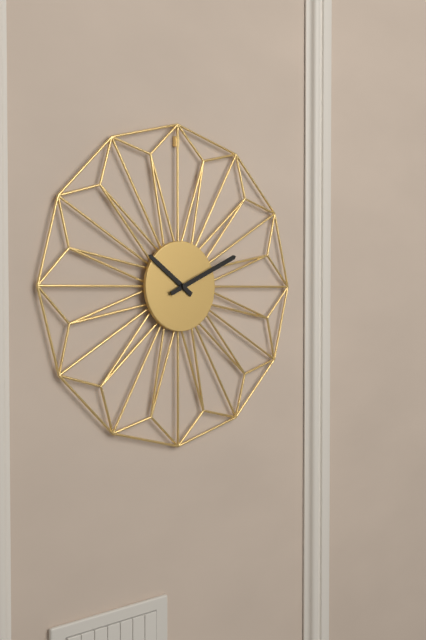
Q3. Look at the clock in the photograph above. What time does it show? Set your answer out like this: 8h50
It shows 10h11
